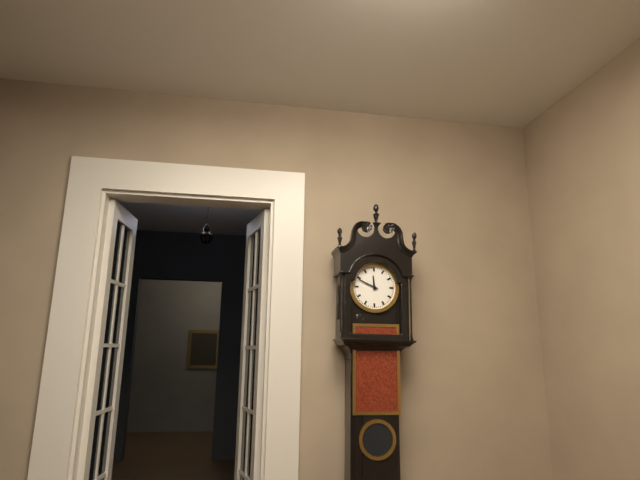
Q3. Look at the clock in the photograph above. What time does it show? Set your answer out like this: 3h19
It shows 11h49
